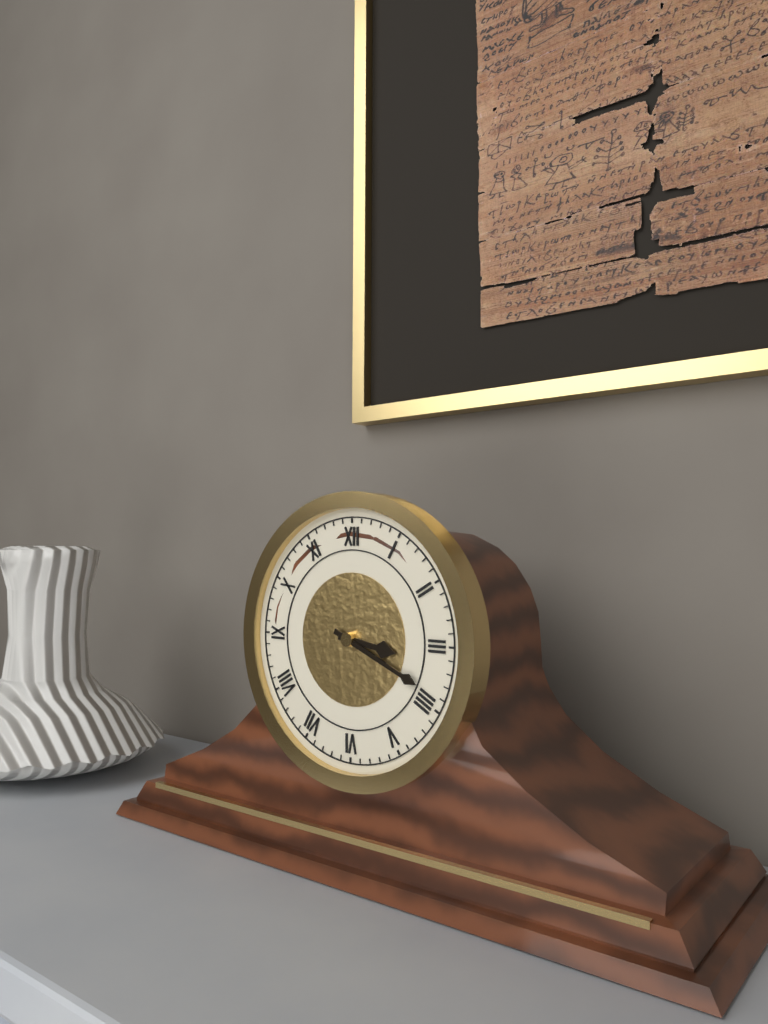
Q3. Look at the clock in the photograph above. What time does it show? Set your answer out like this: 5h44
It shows 3h19
